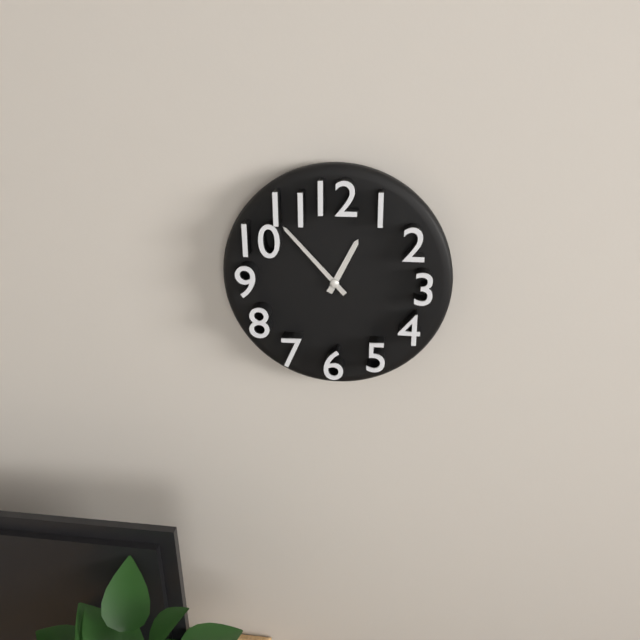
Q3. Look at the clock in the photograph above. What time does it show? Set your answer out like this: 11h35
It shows 12h53
